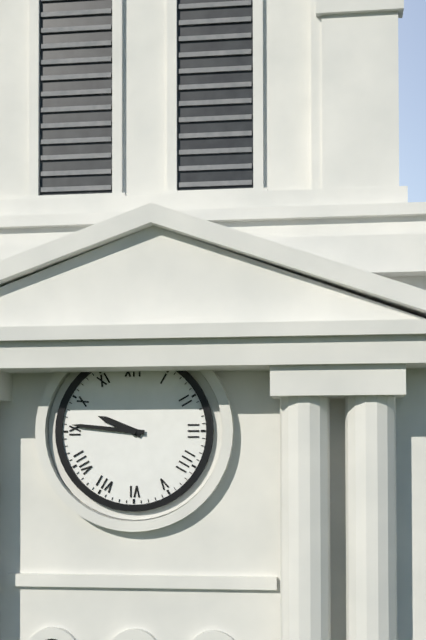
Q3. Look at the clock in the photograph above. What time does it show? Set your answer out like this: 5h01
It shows 9h46
